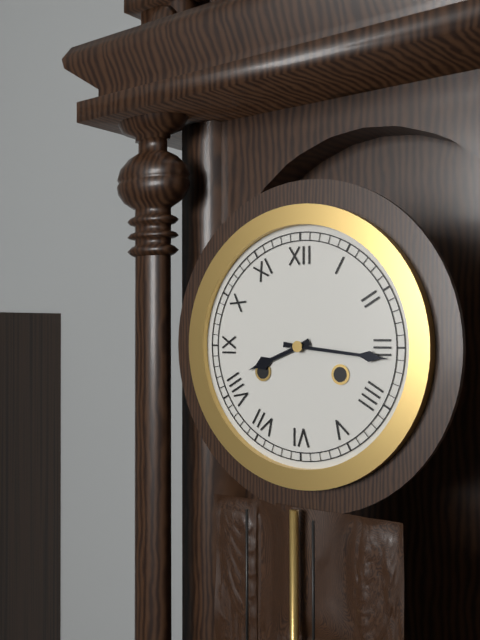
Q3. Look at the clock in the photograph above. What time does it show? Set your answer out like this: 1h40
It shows 8h16
